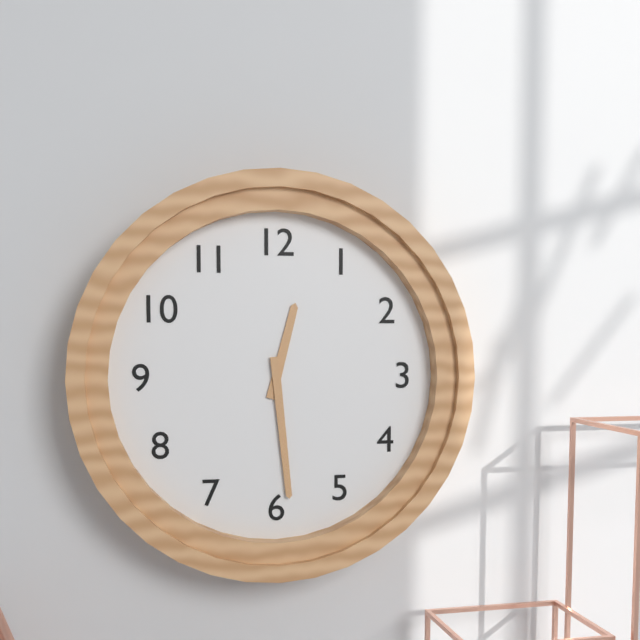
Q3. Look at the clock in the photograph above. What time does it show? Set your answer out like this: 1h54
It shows 12h29
